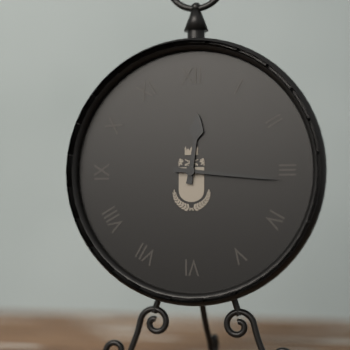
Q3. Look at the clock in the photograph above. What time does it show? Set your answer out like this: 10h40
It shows 12h16
